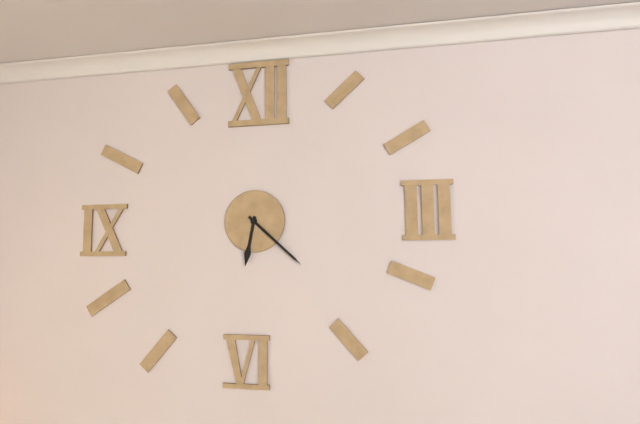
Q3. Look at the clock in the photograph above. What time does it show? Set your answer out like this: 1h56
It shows 6h22
